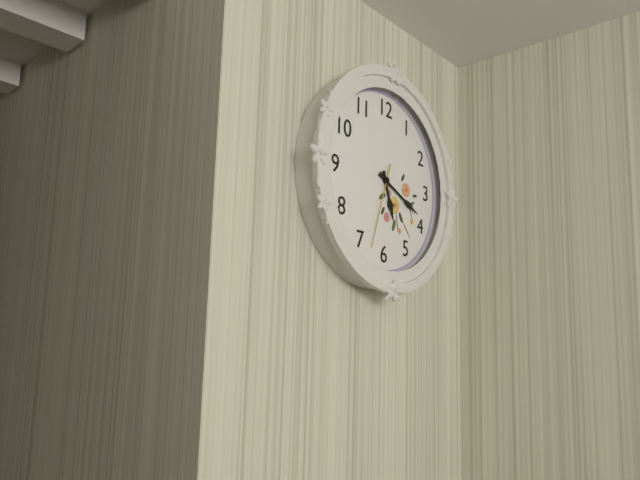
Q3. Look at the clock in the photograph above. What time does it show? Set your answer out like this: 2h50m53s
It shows 5h19m33s
